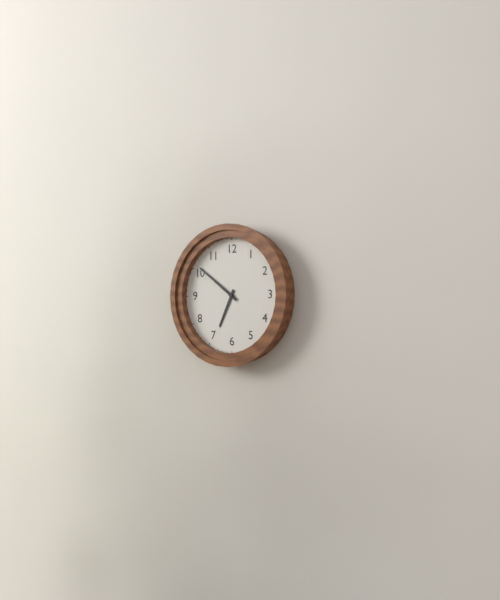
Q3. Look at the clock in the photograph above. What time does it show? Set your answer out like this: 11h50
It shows 6h51
